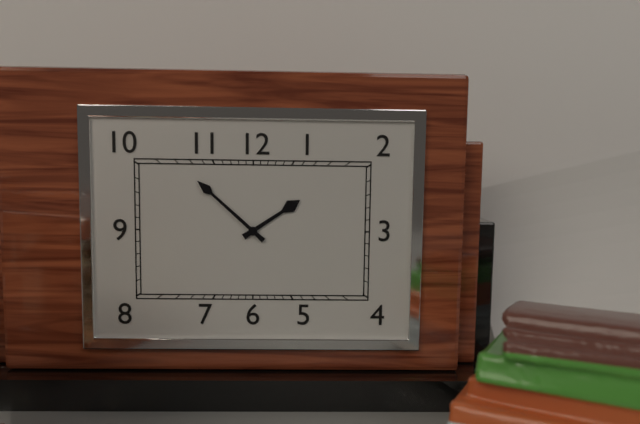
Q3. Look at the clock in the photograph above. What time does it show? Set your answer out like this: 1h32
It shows 1h52
